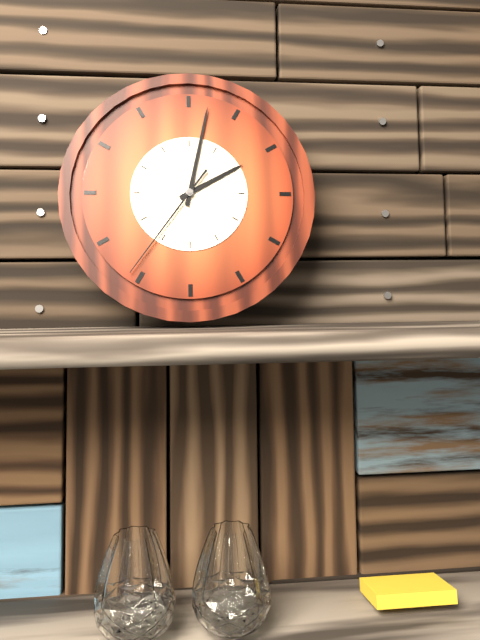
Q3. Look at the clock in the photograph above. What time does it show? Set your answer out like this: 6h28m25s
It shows 2h02m36s
